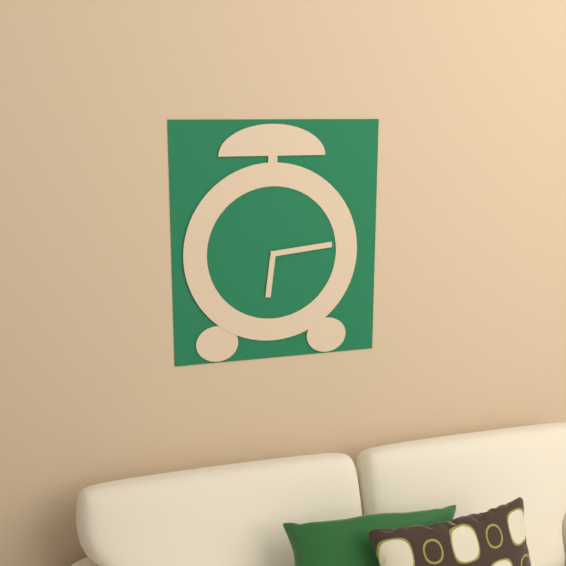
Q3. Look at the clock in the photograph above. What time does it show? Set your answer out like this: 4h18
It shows 6h14
